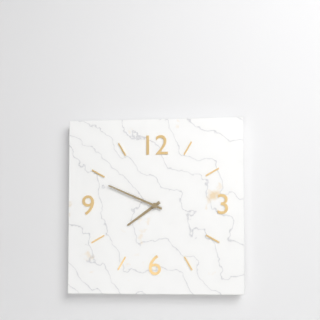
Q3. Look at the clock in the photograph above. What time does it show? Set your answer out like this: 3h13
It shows 7h49
